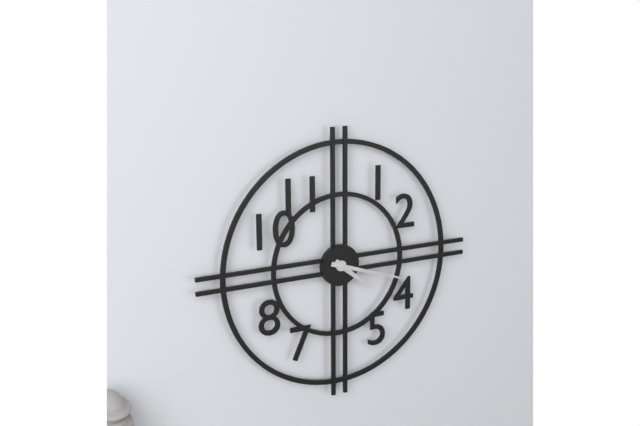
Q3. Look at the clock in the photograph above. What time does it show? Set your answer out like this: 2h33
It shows 4h18
